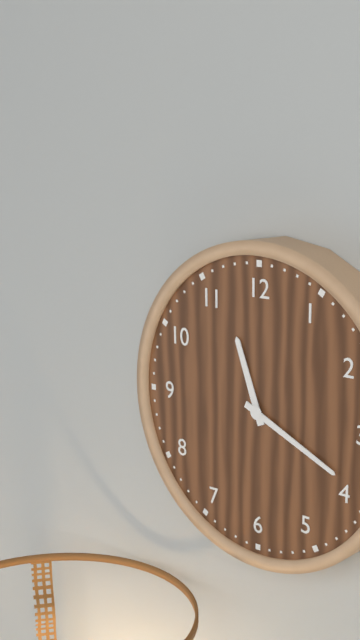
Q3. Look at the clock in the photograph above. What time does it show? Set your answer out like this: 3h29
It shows 11h19
